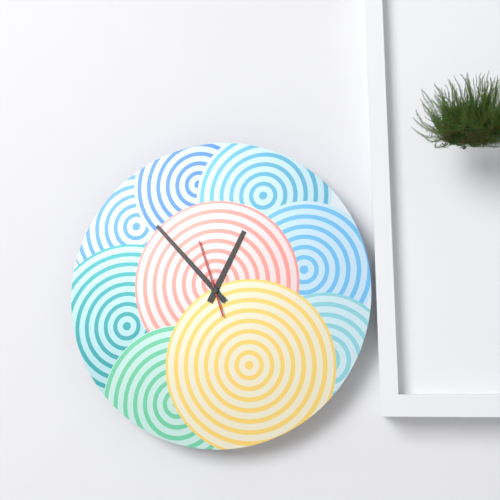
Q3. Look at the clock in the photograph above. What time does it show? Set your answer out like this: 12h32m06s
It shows 12h53m57s
